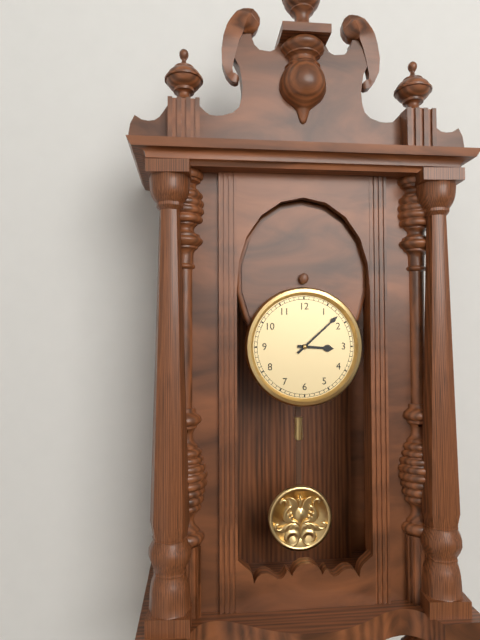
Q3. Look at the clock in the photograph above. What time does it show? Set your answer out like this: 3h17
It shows 3h08
